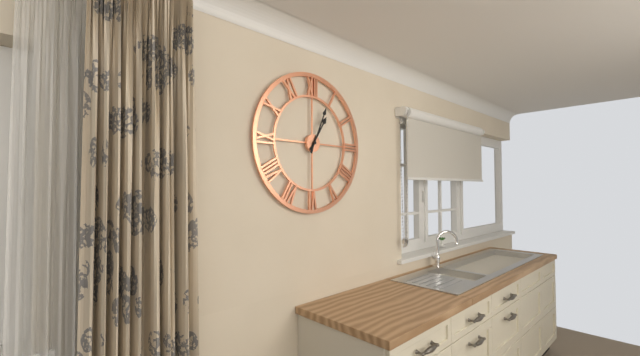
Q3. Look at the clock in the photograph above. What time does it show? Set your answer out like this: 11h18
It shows 1h04
